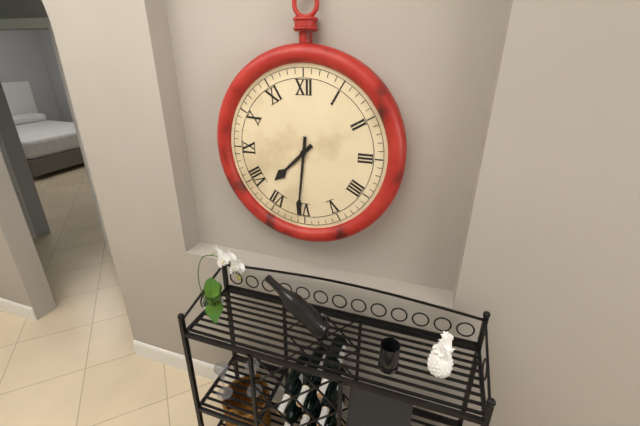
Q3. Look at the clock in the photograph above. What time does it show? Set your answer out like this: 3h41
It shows 7h31
